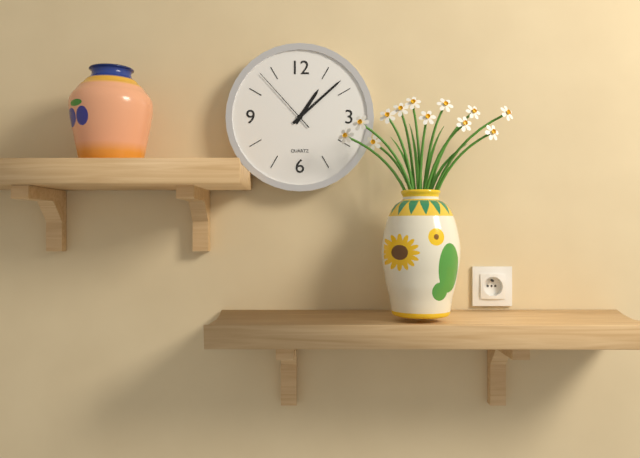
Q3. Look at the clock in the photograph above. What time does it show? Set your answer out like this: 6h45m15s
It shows 1h08m53s
